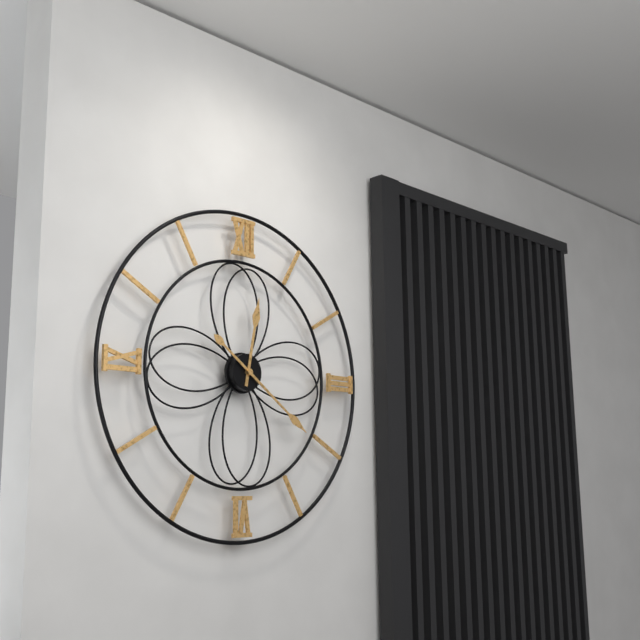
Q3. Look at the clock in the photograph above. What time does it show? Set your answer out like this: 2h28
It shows 12h21
